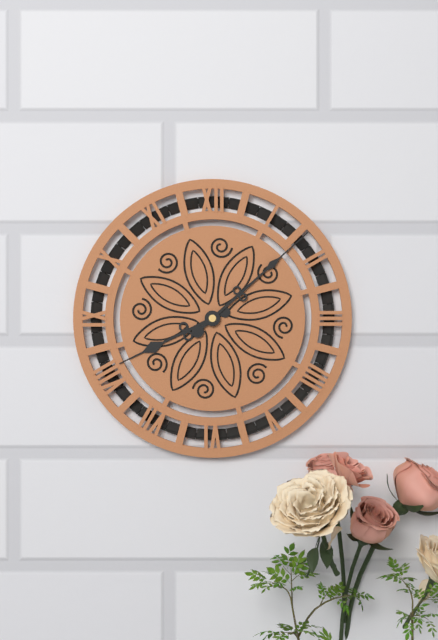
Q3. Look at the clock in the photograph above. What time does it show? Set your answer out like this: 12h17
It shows 8h08
